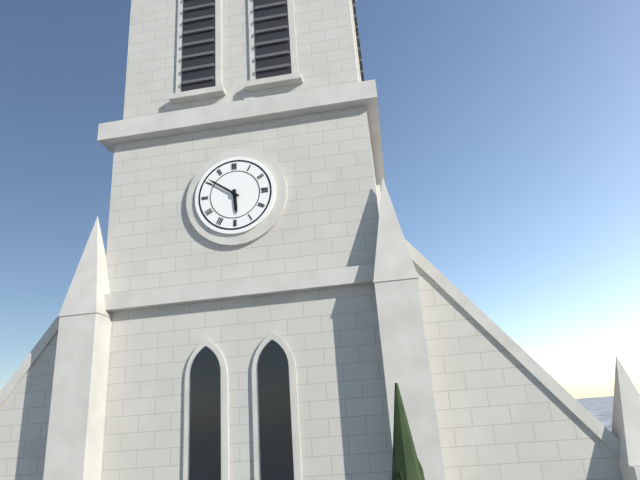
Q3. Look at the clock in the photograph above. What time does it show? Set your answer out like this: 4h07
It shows 5h51
